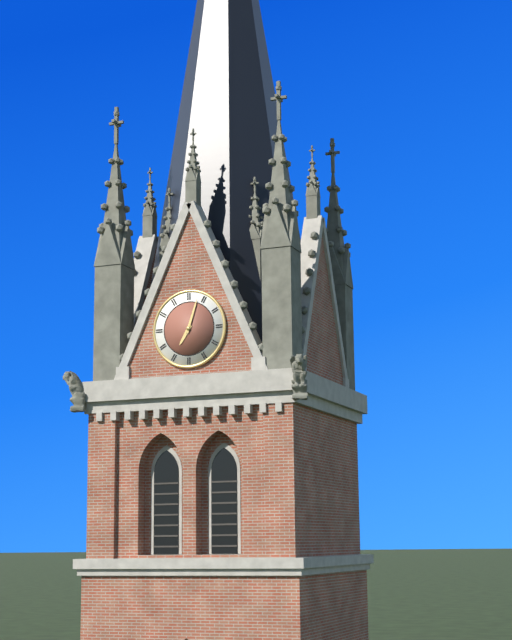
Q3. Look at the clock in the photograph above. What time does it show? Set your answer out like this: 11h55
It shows 7h03
